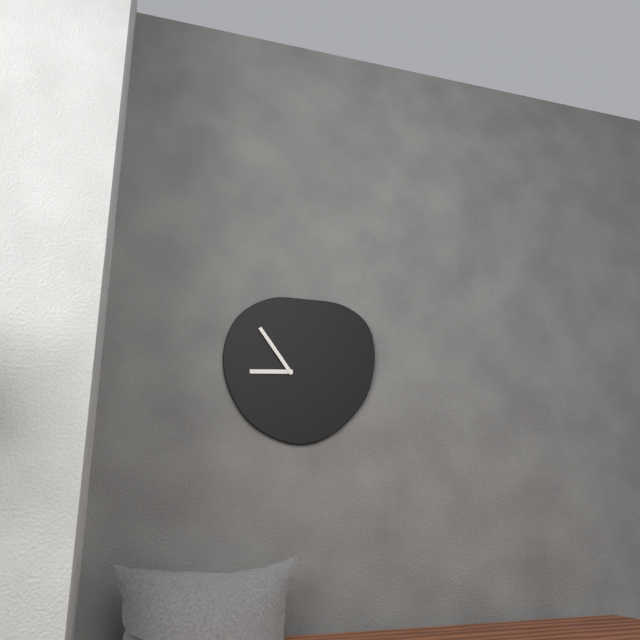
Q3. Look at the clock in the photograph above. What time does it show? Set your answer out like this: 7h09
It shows 8h54
